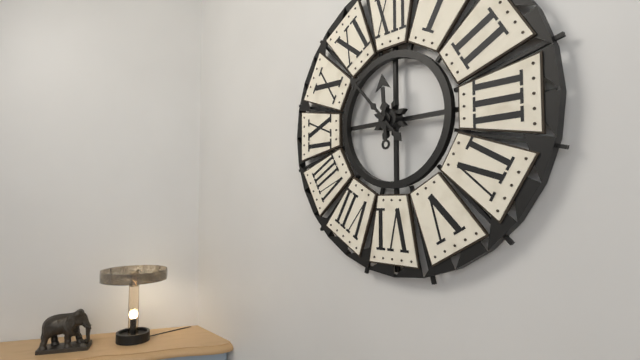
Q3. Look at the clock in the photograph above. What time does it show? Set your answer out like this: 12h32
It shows 11h53
